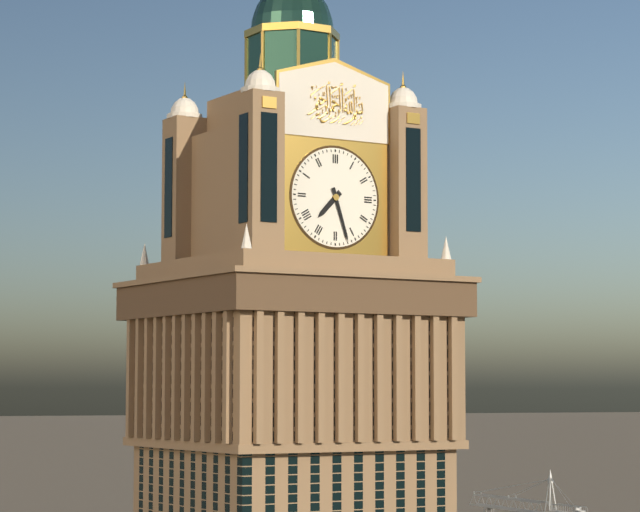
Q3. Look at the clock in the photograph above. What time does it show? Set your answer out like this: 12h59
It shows 7h27
